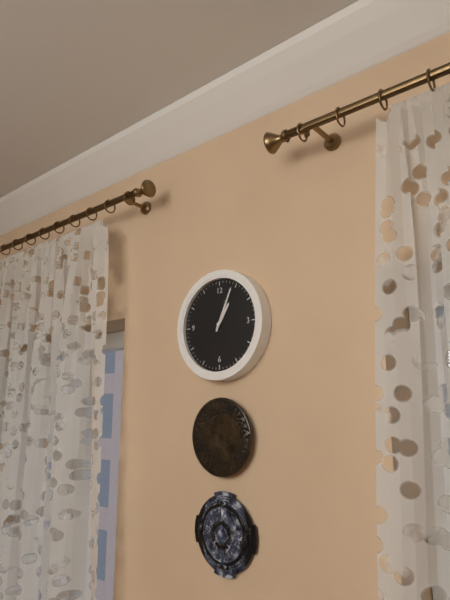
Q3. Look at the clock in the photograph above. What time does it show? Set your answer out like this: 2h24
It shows 1h04
